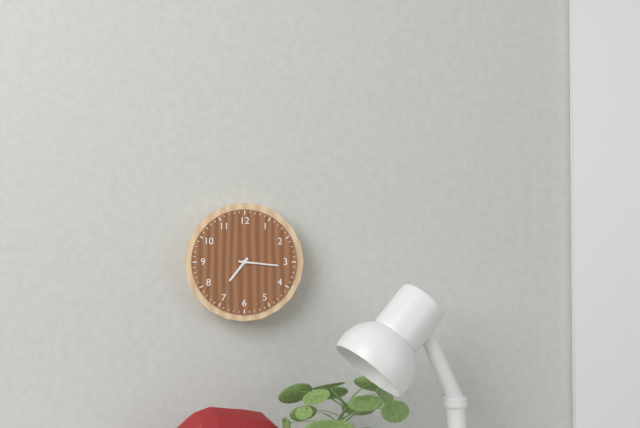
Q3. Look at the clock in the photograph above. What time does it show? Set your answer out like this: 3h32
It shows 7h16
